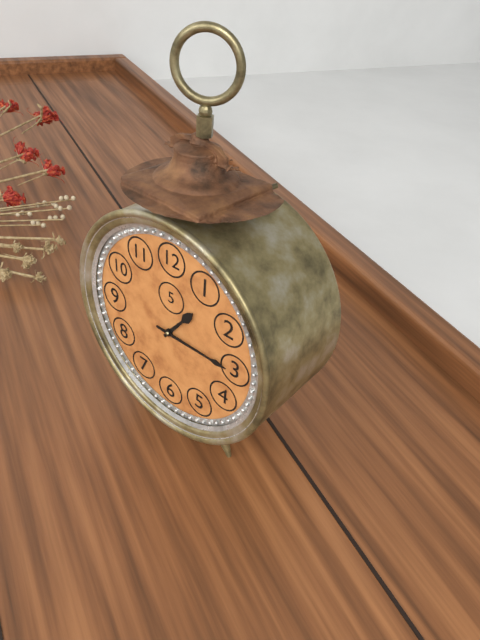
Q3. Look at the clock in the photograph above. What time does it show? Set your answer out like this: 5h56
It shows 1h15
